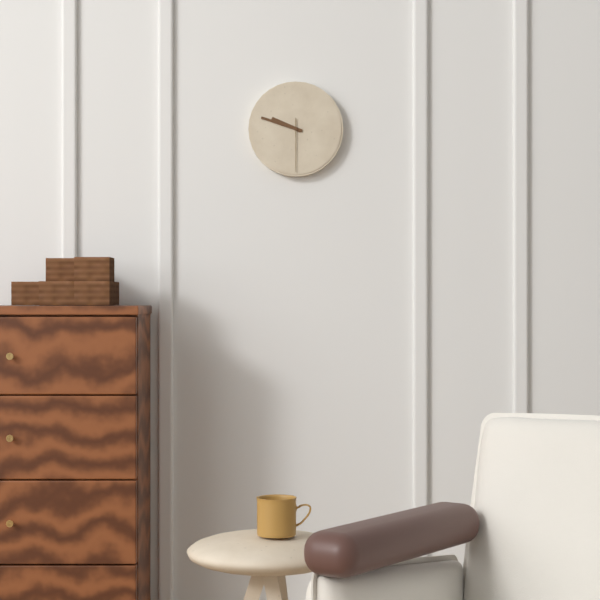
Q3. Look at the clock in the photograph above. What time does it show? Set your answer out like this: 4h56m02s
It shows 9h48m30s
